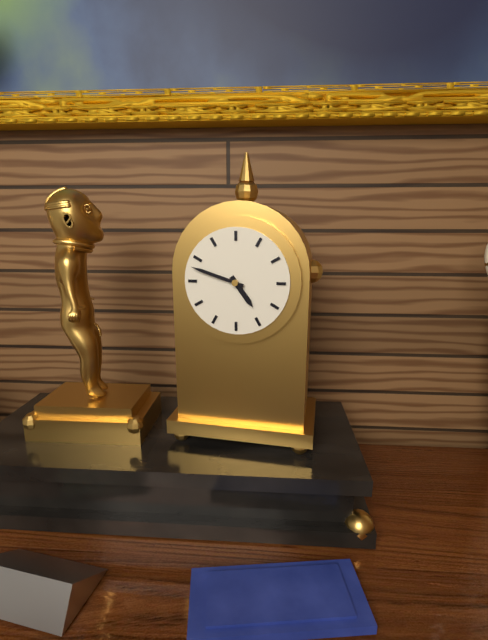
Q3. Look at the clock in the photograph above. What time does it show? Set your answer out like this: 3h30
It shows 4h48
